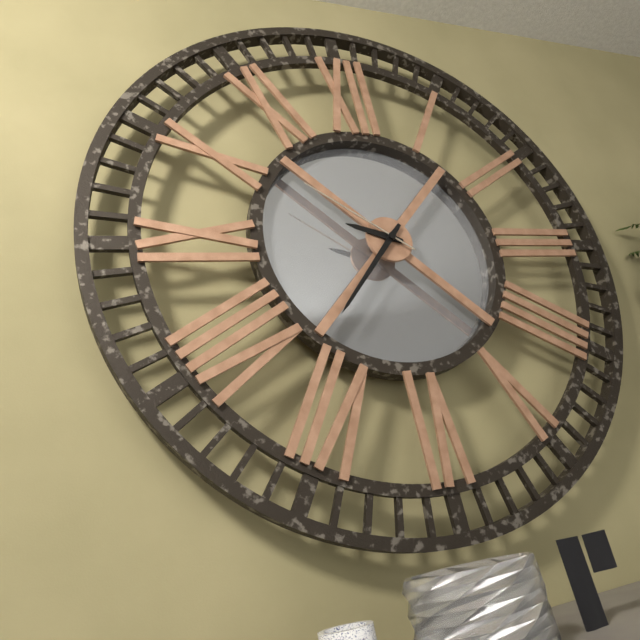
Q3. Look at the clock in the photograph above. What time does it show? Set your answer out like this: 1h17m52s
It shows 9h37m51s
